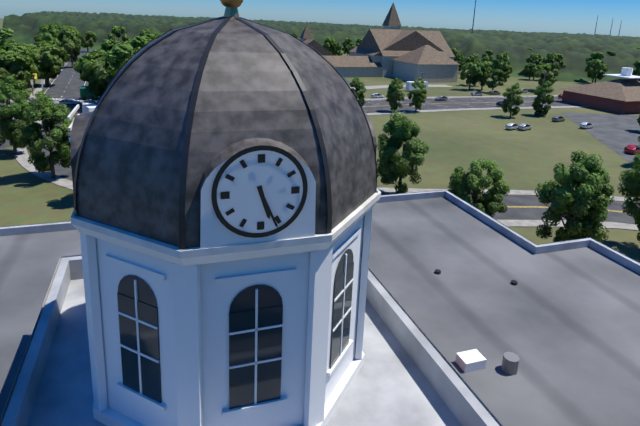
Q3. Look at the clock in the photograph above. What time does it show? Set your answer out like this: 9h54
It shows 5h26
